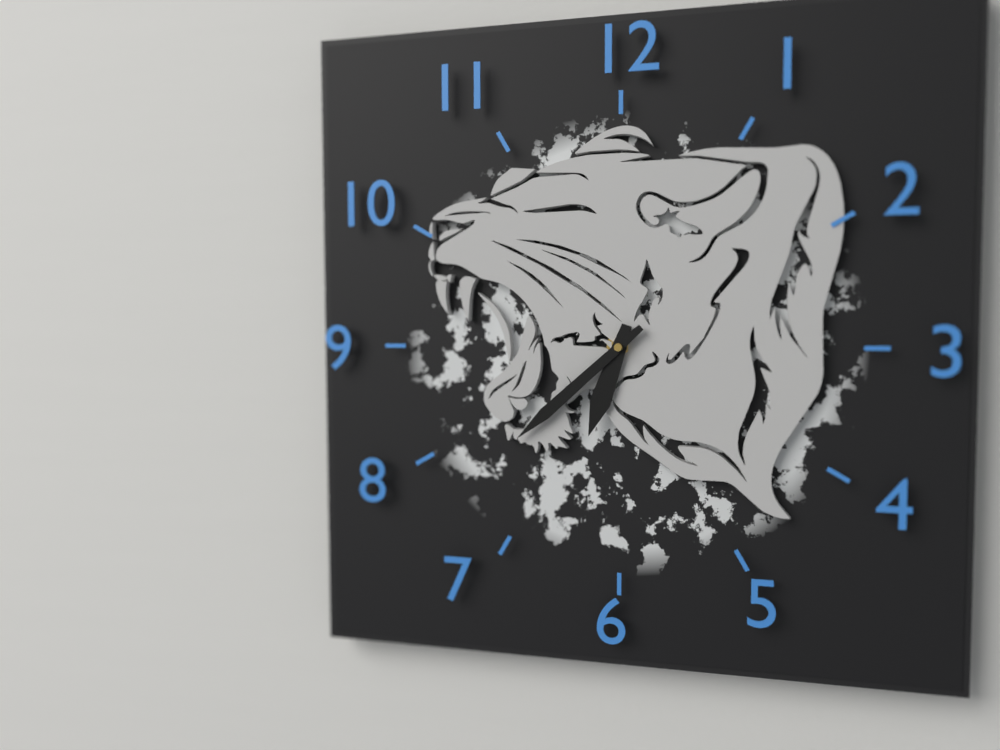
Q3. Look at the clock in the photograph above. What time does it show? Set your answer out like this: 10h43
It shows 6h38
